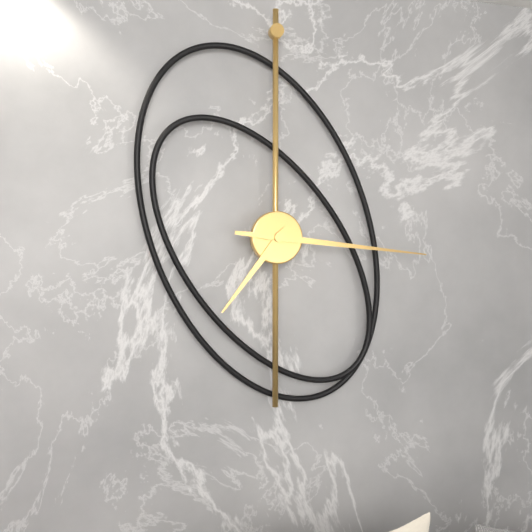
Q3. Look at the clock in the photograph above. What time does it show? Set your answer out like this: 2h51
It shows 7h16
